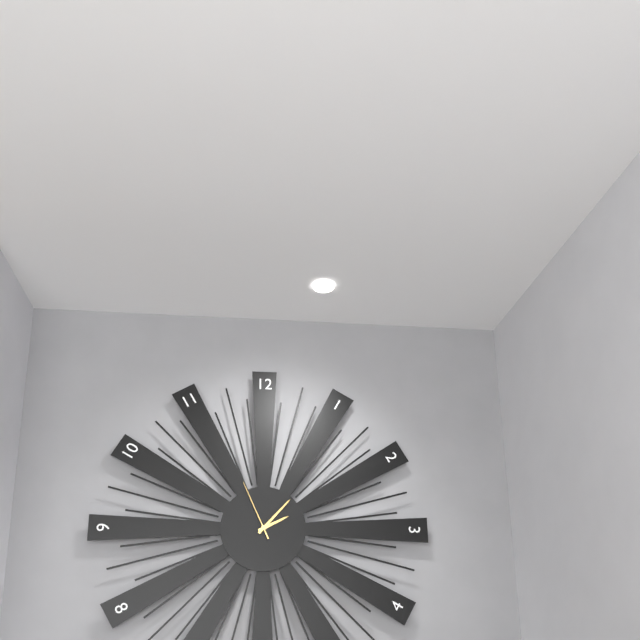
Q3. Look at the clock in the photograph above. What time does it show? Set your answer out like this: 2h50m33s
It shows 2h07m56s
